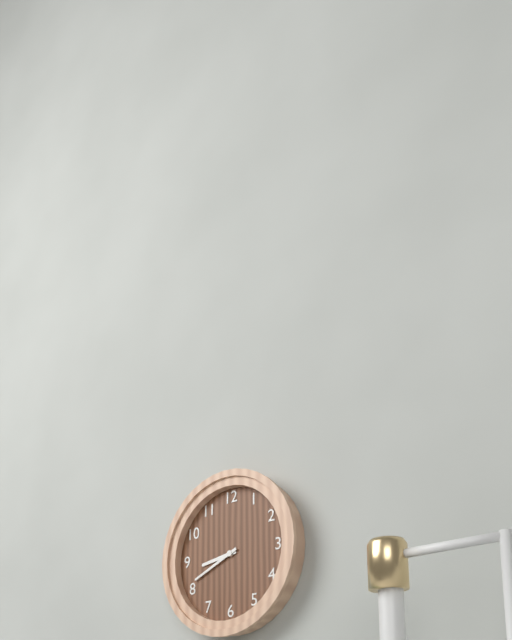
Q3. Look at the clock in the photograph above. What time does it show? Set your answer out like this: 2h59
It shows 8h41
